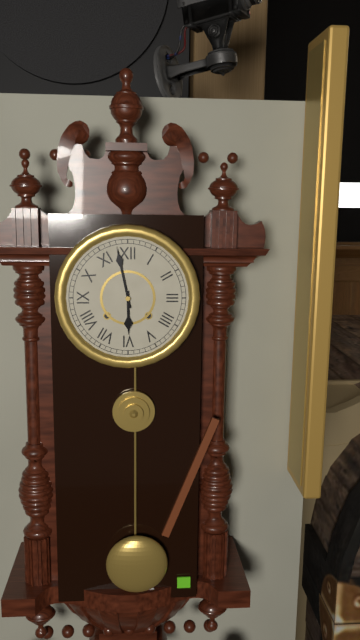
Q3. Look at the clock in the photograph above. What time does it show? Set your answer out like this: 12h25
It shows 5h58
